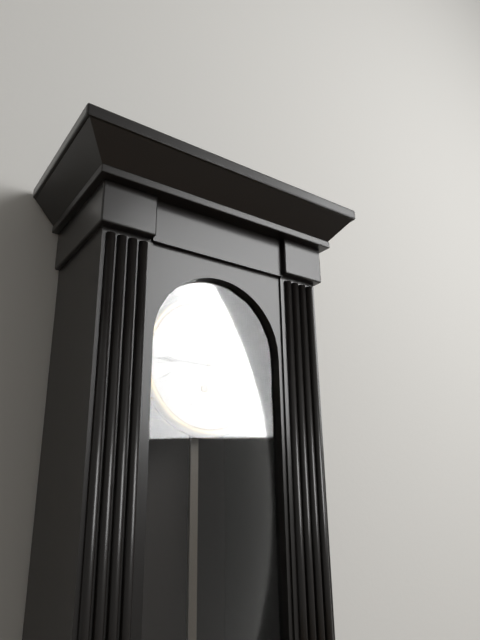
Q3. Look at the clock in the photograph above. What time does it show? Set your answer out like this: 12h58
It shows 1h45
